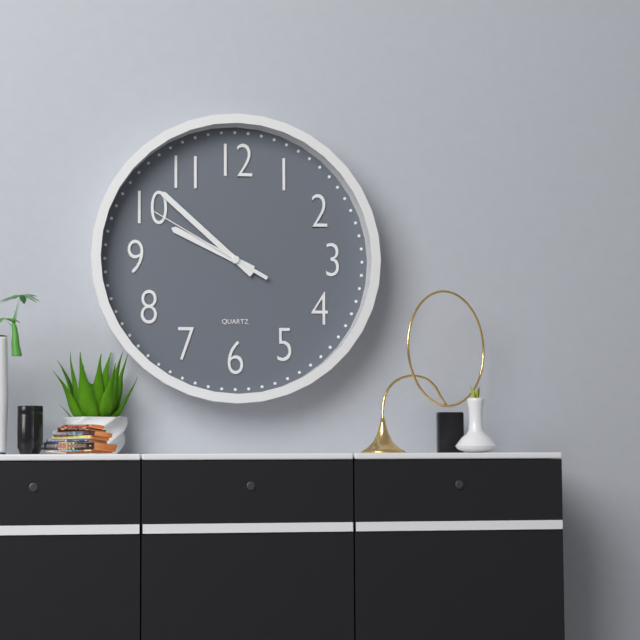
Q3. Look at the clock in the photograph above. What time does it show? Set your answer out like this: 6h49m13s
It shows 9h52m50s
